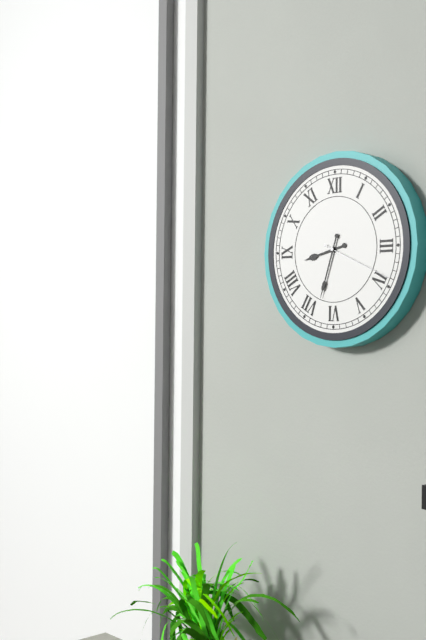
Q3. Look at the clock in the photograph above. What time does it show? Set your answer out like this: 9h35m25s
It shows 8h33m19s
